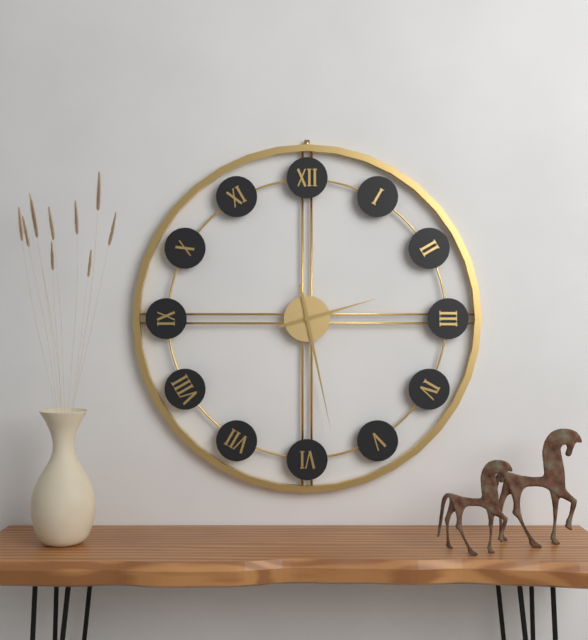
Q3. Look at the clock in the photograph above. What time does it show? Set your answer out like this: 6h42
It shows 2h28
